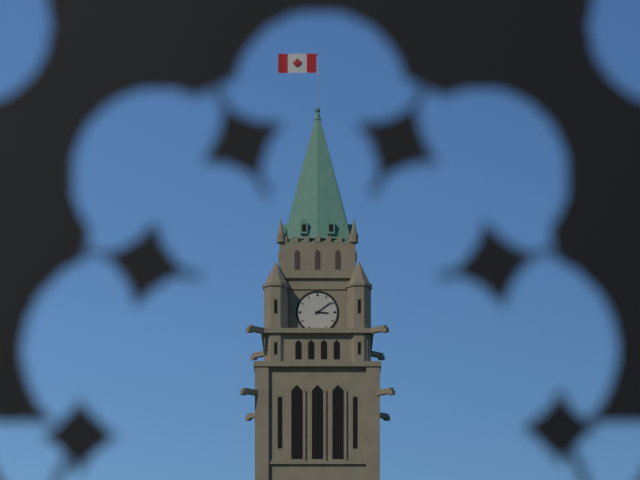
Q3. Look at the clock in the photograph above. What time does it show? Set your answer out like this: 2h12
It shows 3h09
